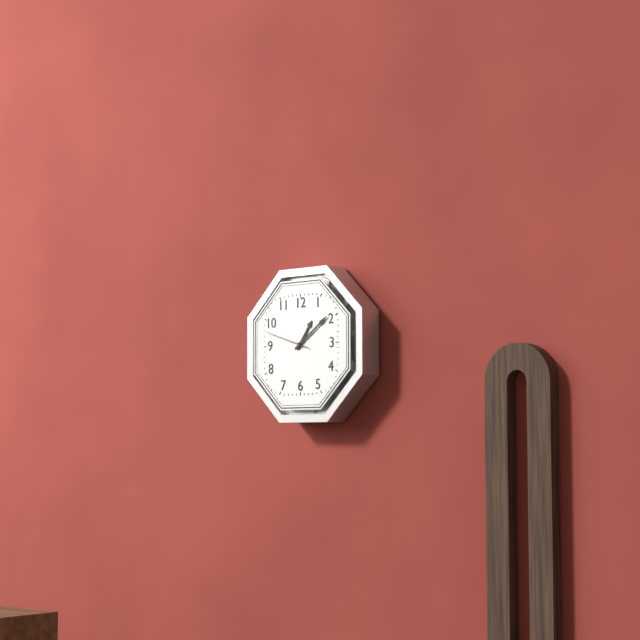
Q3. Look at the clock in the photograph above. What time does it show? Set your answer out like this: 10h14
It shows 1h09
